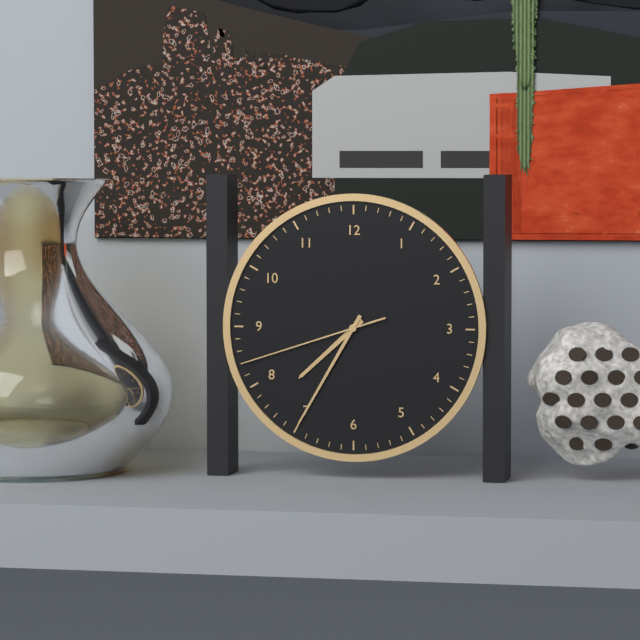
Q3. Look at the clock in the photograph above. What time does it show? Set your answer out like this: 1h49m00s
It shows 7h35m42s
